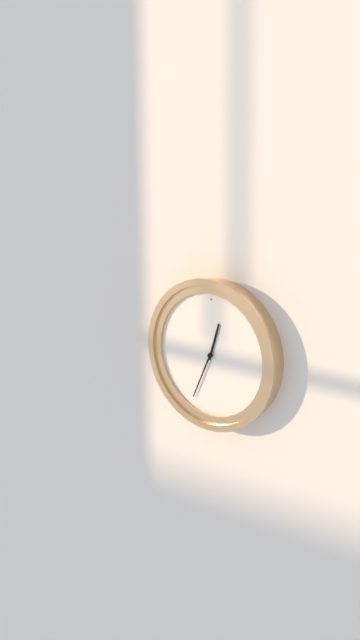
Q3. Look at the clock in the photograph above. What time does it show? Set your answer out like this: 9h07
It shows 12h34
